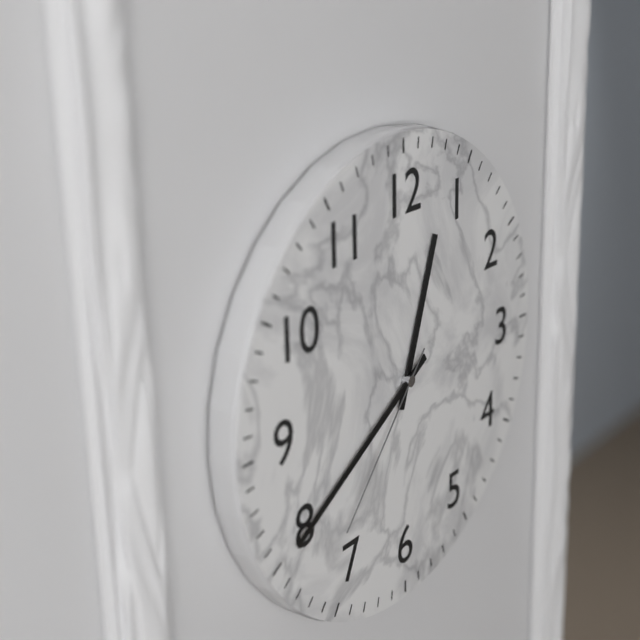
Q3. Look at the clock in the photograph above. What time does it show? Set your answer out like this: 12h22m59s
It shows 12h40m37s
